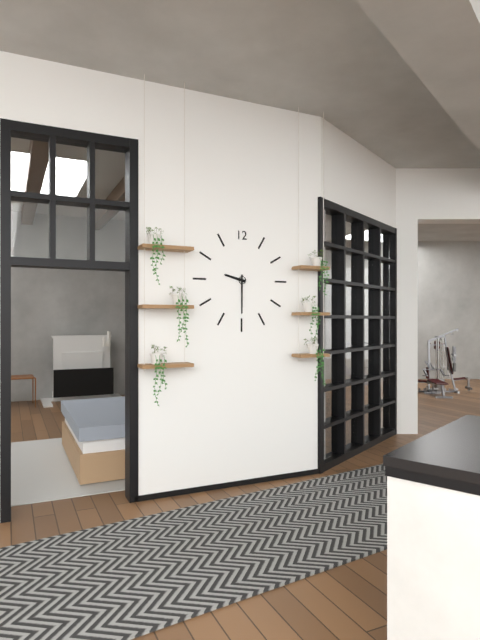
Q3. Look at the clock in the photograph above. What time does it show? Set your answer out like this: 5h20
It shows 9h30
